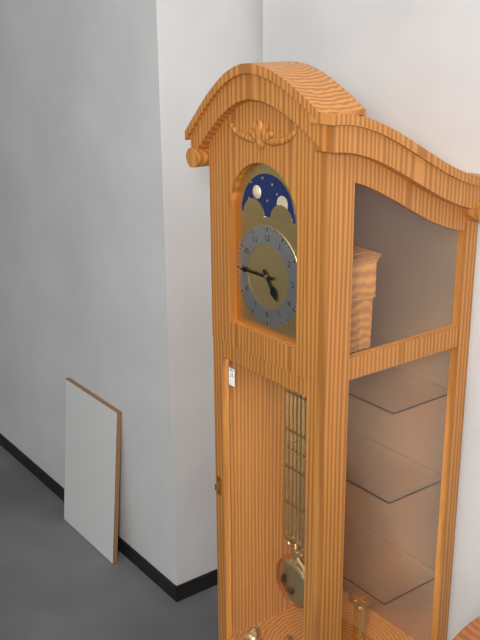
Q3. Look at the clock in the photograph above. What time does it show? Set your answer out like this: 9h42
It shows 4h45
